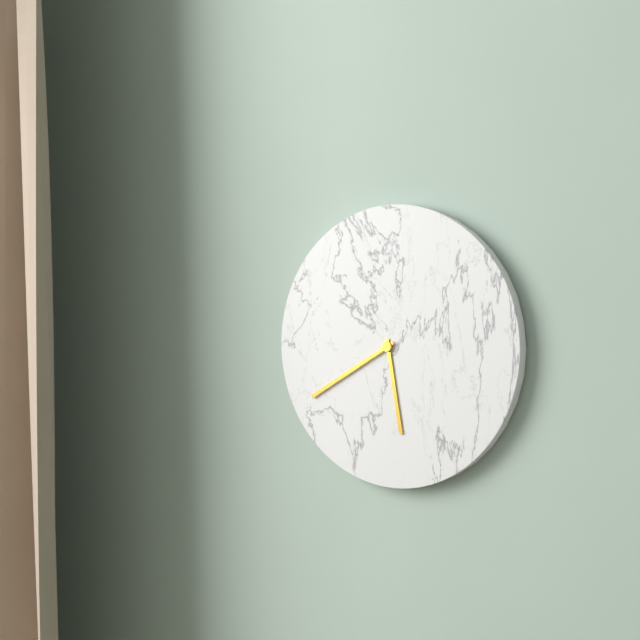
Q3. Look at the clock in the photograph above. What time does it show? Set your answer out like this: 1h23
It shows 5h40
